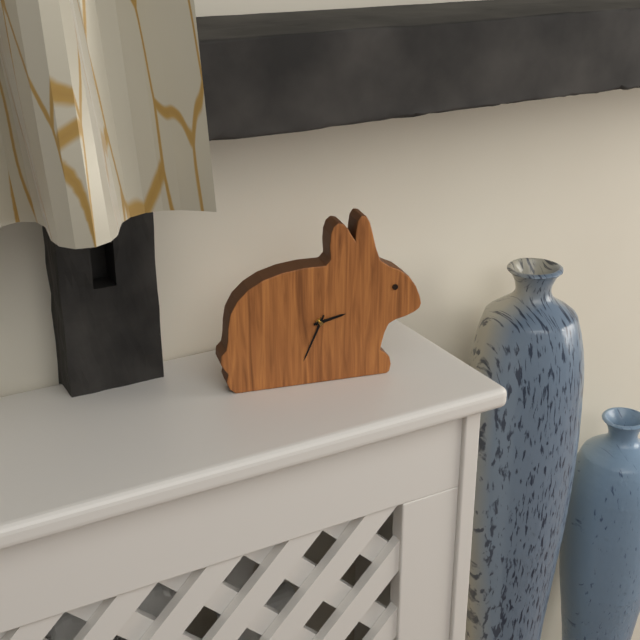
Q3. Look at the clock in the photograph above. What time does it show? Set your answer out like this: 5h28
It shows 2h34
